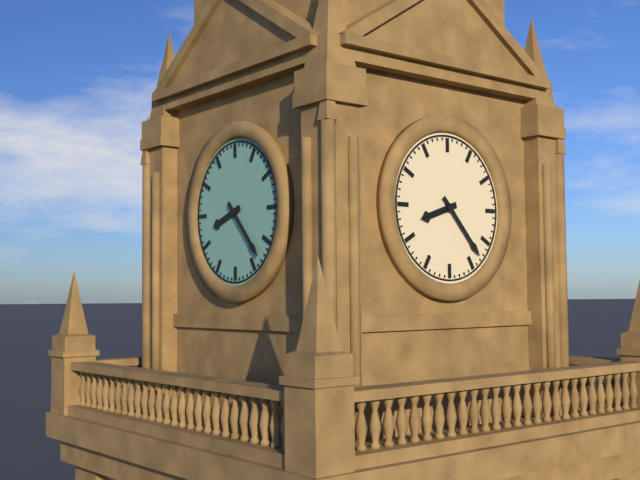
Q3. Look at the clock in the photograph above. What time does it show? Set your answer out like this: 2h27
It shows 8h23
